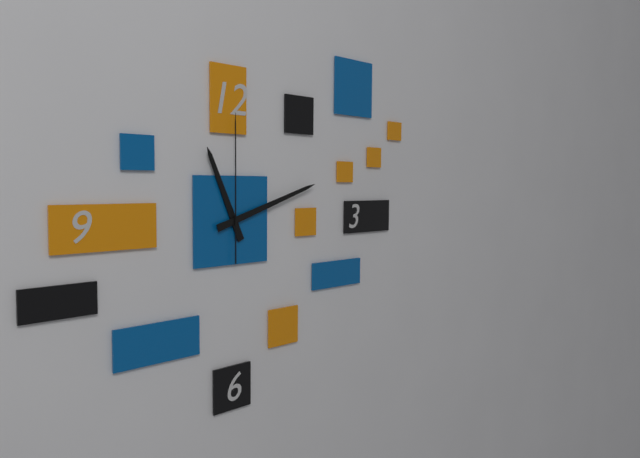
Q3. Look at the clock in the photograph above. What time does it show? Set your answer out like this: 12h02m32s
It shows 11h12m00s
